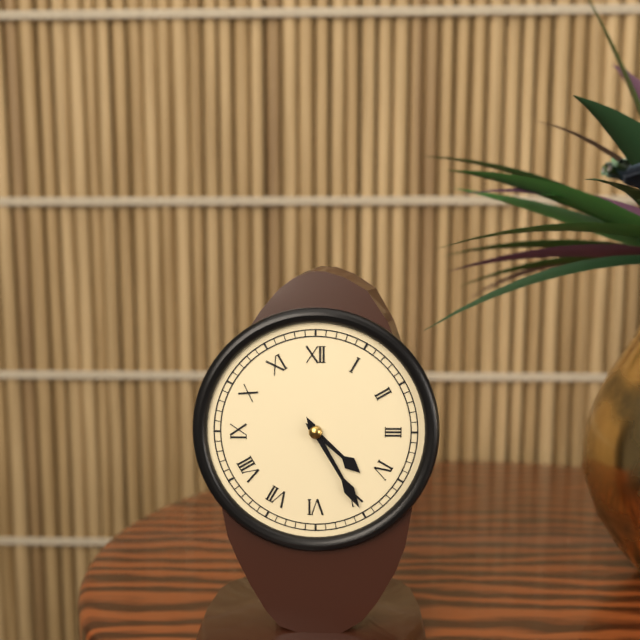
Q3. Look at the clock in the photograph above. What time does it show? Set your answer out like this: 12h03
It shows 4h25
